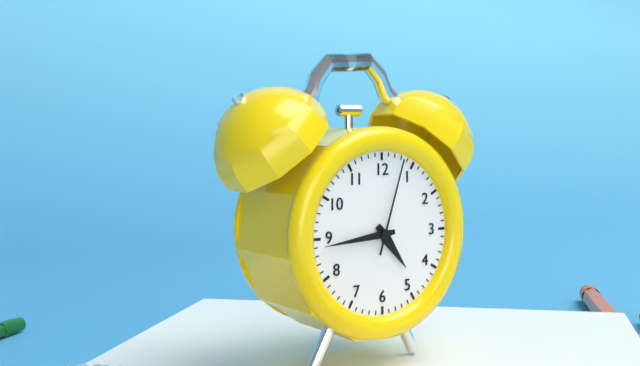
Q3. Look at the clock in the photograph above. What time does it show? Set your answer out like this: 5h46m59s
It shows 4h44m03s
